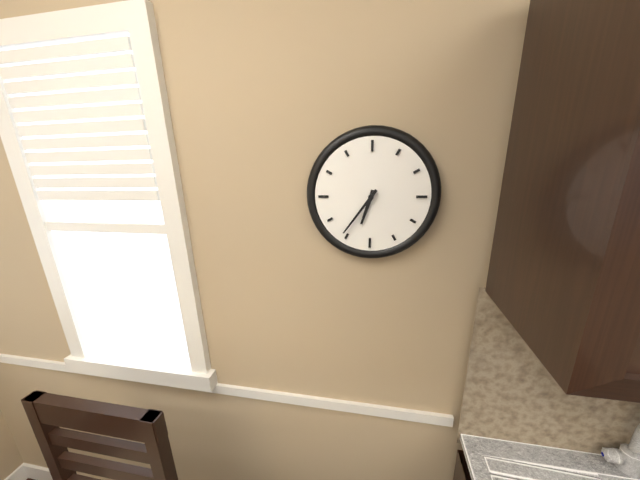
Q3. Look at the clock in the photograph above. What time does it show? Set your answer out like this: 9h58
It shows 6h36
